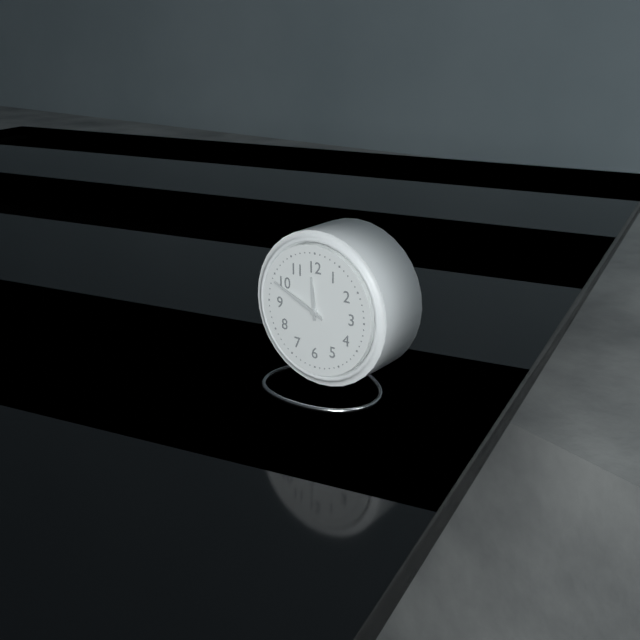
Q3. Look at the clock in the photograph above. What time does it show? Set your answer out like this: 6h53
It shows 11h49
